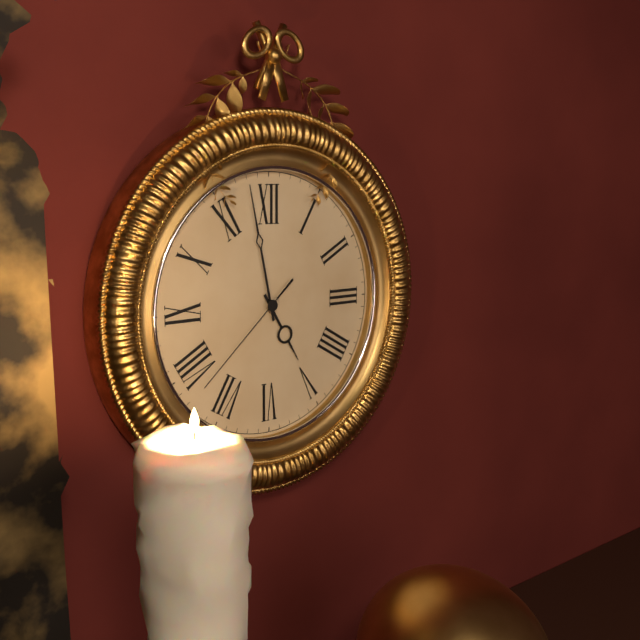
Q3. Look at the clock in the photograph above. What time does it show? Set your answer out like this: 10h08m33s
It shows 4h58m38s
